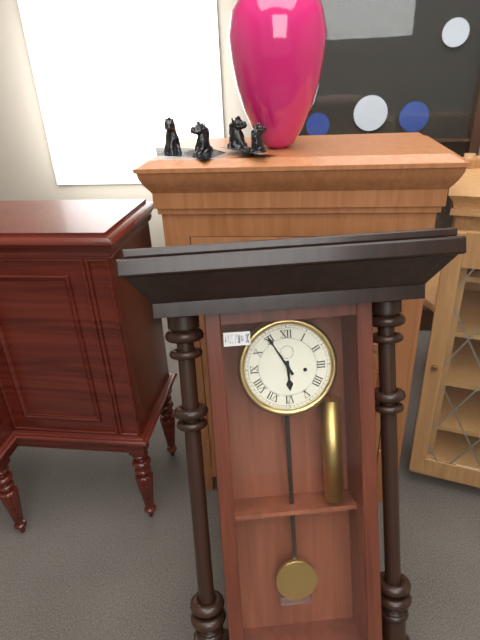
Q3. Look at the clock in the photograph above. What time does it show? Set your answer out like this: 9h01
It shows 5h55
